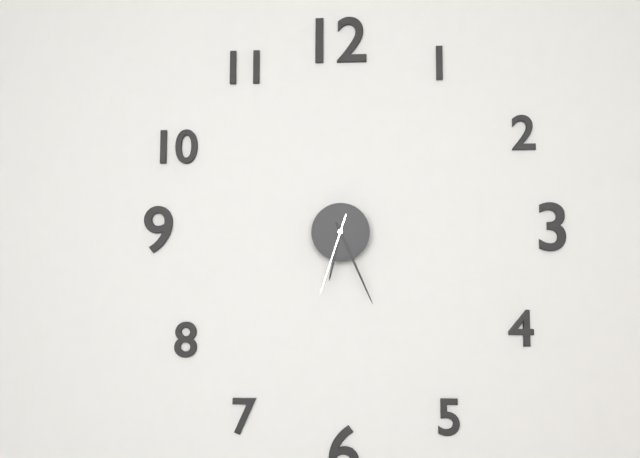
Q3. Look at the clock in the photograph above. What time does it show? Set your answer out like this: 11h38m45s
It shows 6h26m33s
